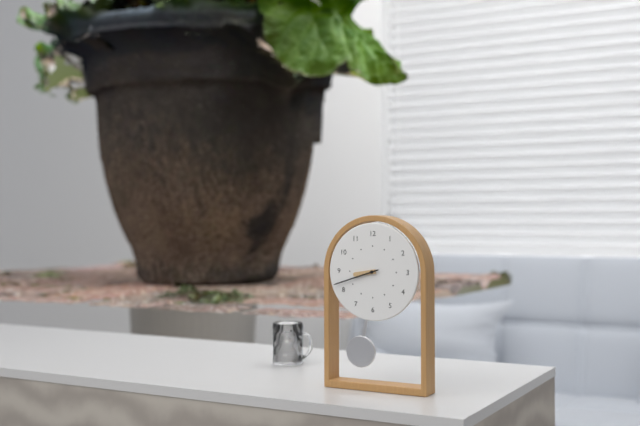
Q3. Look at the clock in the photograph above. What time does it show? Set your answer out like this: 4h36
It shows 8h42
